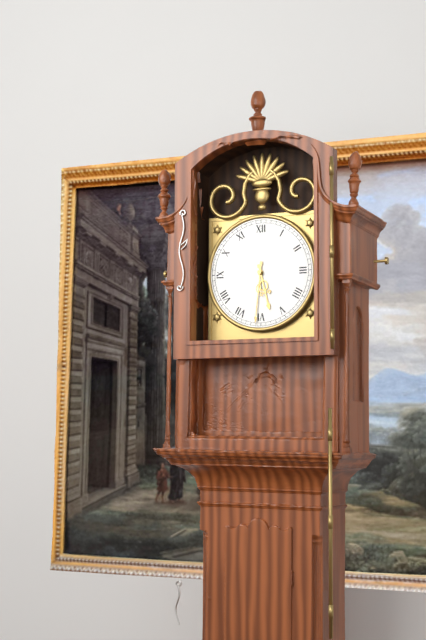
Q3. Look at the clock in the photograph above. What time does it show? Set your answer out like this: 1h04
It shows 5h31
